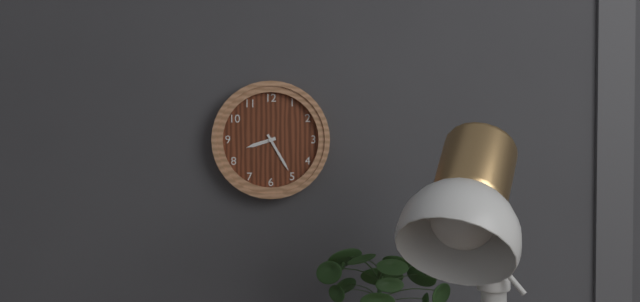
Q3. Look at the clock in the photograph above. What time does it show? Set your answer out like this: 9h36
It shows 8h25
